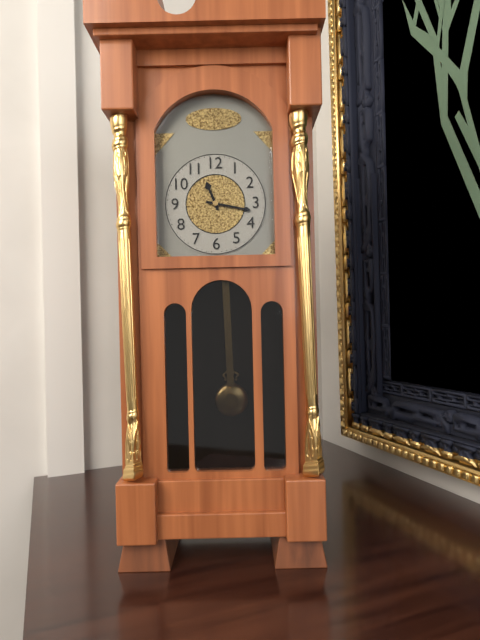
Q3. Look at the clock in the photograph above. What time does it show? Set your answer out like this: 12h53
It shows 11h17
